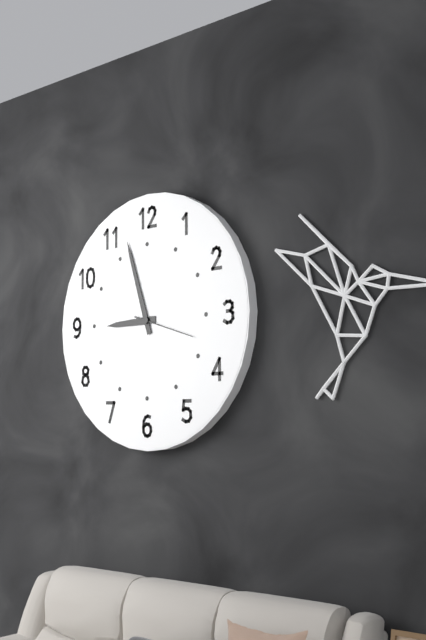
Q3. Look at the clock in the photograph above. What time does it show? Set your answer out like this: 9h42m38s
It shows 8h57m18s
